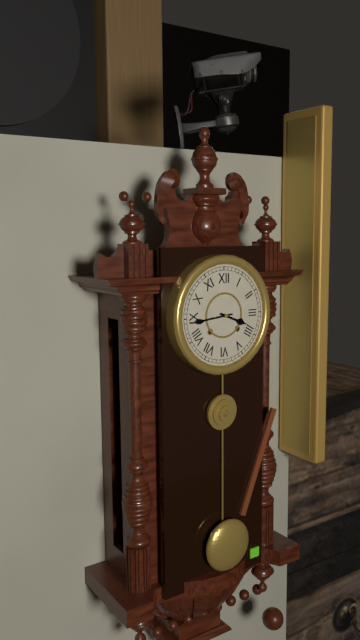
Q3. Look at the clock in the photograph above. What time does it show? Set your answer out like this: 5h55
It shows 3h44
